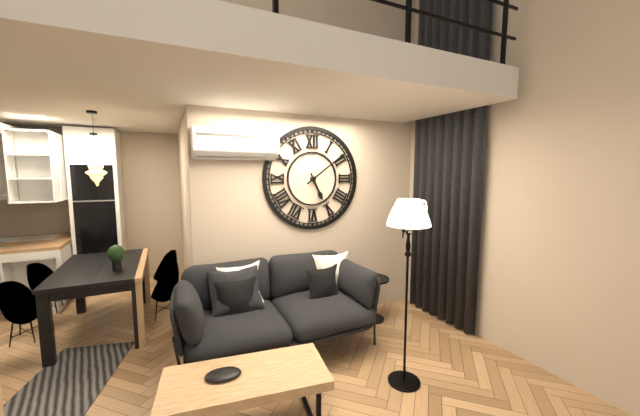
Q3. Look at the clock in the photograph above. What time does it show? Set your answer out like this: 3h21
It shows 5h09
